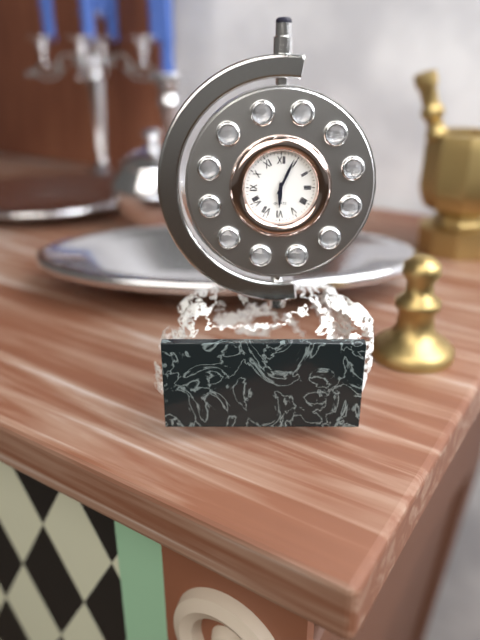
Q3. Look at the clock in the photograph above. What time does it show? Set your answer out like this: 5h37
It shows 6h04
